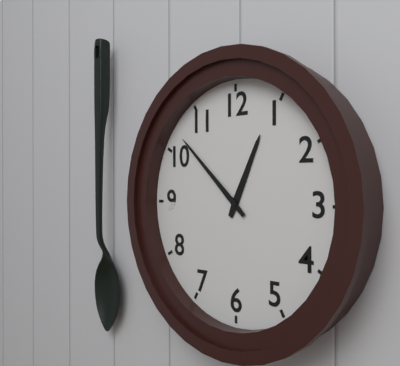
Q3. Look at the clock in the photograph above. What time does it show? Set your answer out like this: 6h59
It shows 12h52
